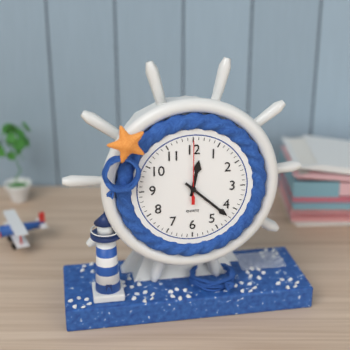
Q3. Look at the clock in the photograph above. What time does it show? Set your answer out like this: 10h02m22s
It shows 12h22m00s
